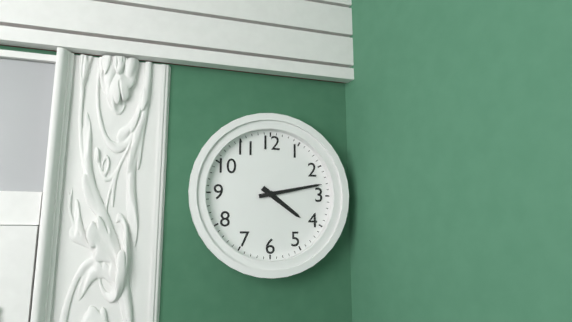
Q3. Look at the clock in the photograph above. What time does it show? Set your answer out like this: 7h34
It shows 4h13
